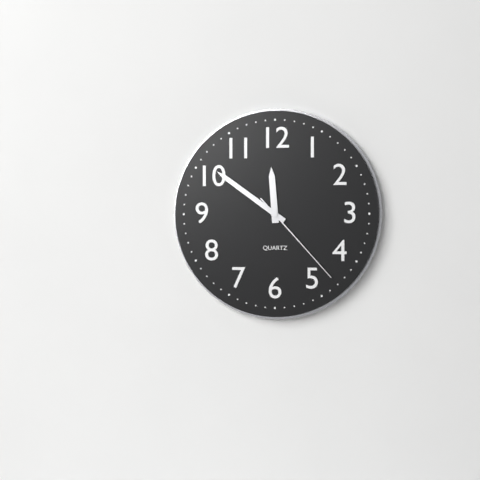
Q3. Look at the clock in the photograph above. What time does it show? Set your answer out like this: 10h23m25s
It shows 11h51m23s
